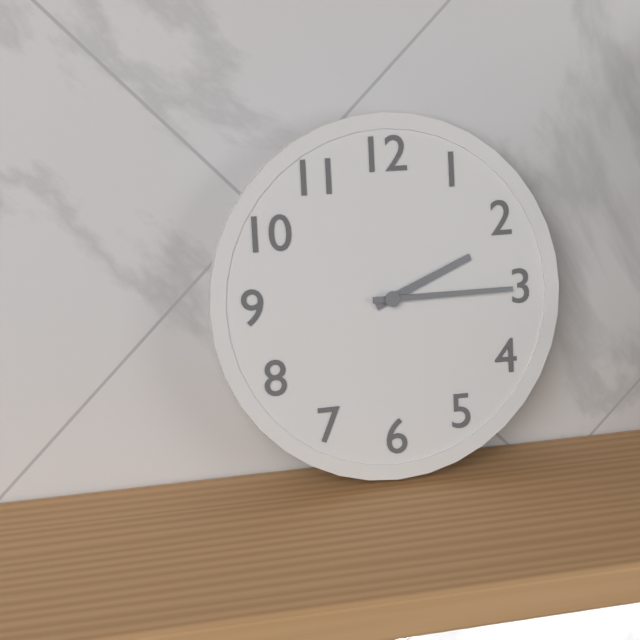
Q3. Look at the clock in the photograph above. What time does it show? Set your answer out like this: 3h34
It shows 2h15
